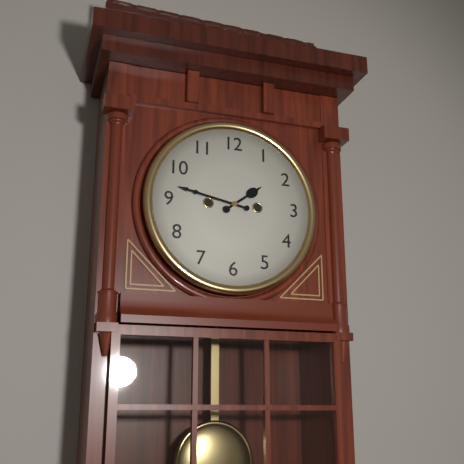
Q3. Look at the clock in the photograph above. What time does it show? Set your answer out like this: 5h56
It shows 1h47
